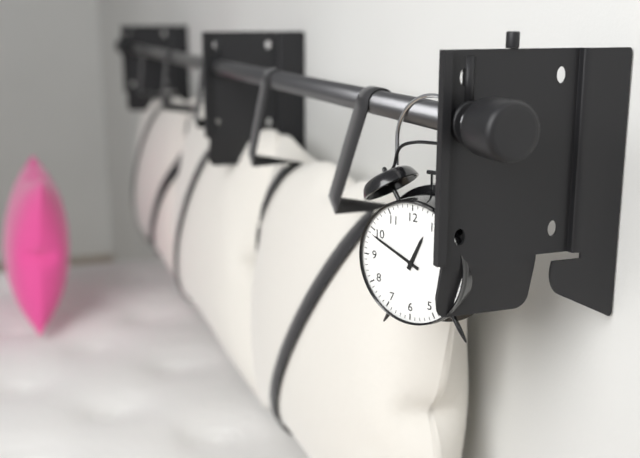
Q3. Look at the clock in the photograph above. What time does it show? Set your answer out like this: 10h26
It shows 12h49
